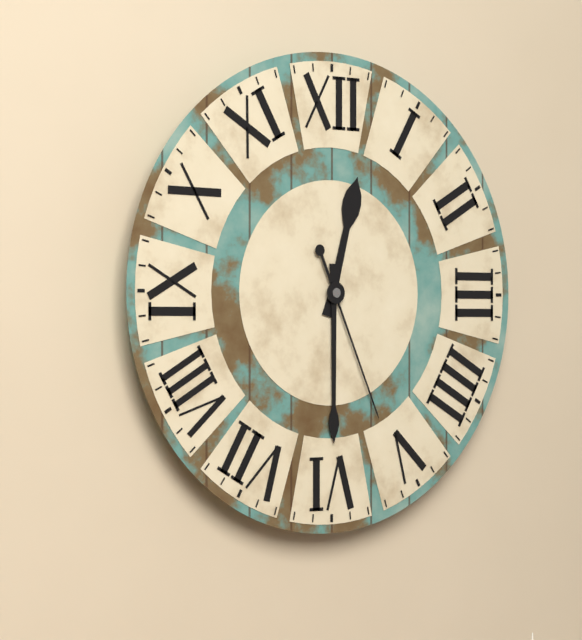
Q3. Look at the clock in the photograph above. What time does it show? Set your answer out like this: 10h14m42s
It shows 12h30m26s
